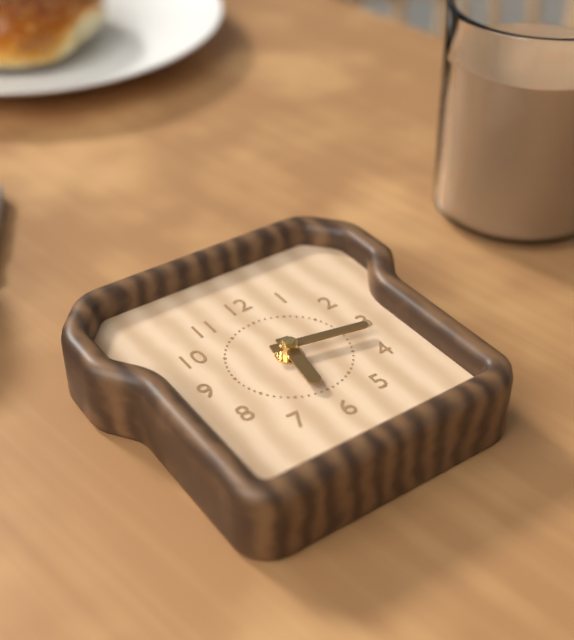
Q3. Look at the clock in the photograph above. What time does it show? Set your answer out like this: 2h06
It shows 6h17
